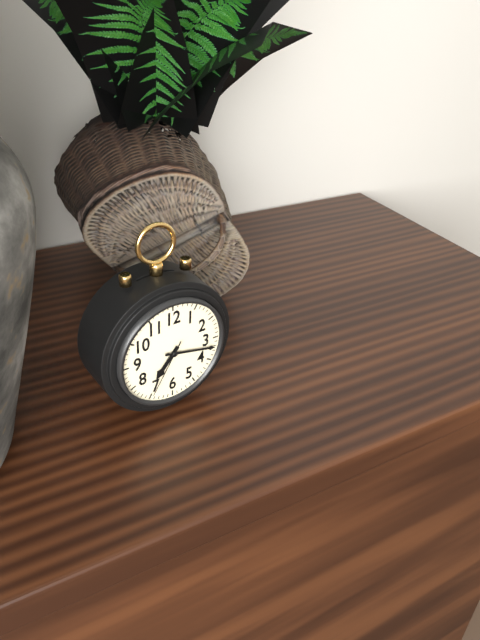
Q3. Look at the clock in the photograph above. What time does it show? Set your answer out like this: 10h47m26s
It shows 7h17m35s
